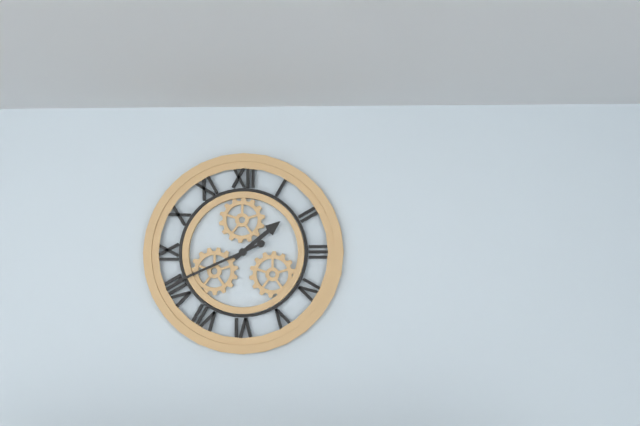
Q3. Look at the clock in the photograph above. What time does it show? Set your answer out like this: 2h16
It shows 1h41
